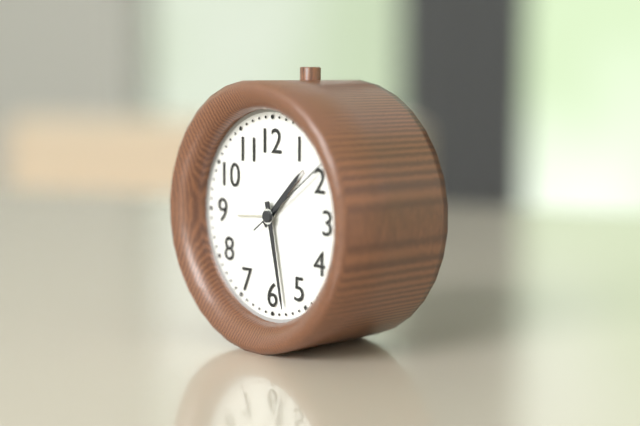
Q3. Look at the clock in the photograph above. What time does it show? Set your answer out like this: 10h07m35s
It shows 1h28m09s
